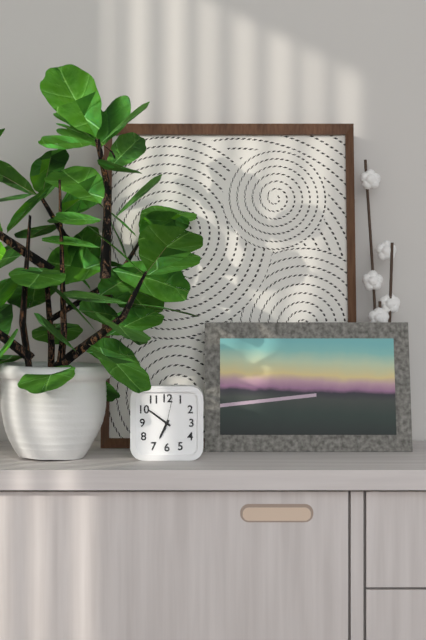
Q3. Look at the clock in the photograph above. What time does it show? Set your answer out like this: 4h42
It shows 6h51
